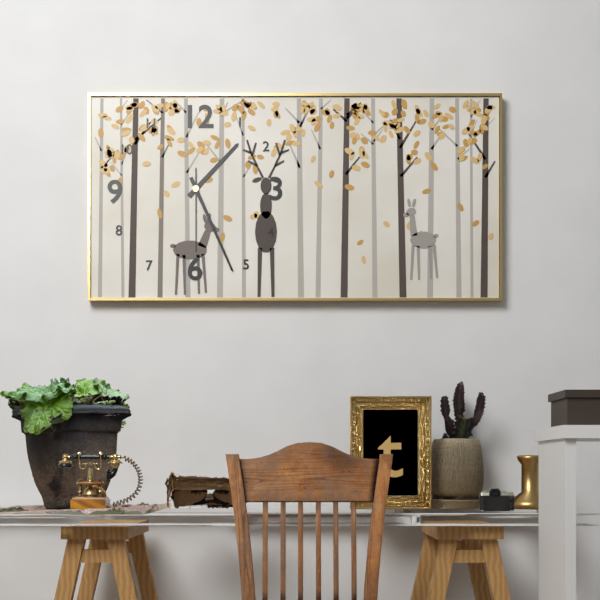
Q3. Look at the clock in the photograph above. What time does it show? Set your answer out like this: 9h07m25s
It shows 1h26m30s
